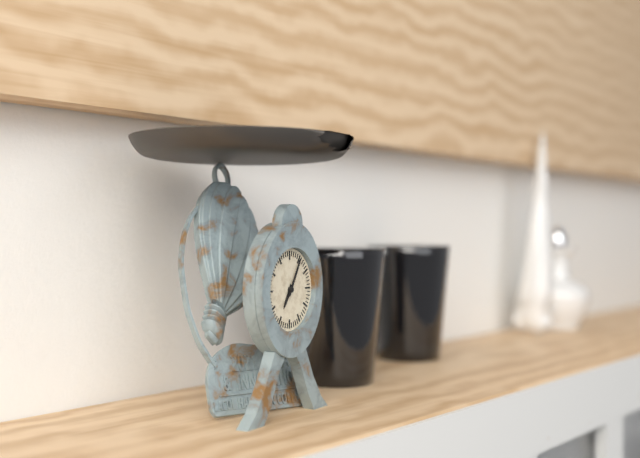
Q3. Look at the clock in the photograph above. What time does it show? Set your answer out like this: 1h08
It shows 7h05
